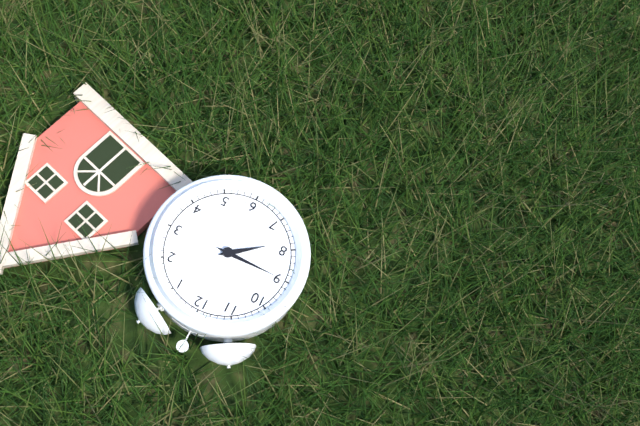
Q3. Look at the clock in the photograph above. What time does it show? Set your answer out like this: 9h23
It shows 7h45
